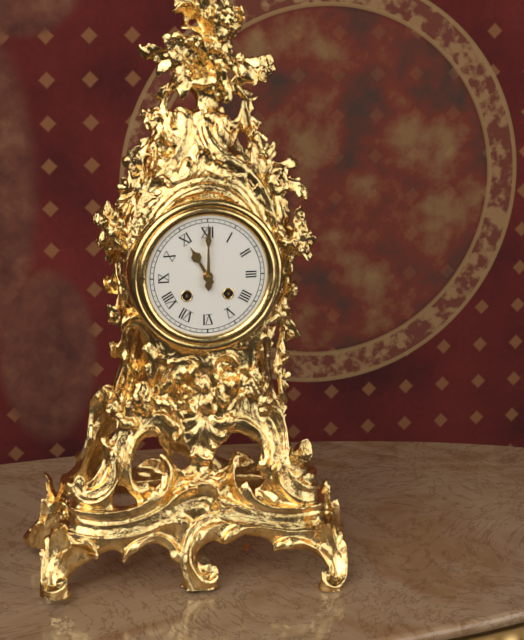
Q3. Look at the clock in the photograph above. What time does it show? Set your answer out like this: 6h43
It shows 11h00
